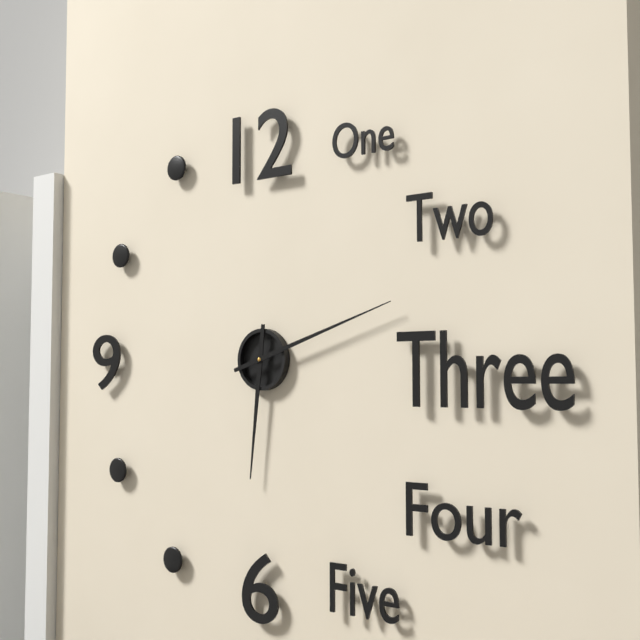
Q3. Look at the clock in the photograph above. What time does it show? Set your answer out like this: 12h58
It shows 6h12
